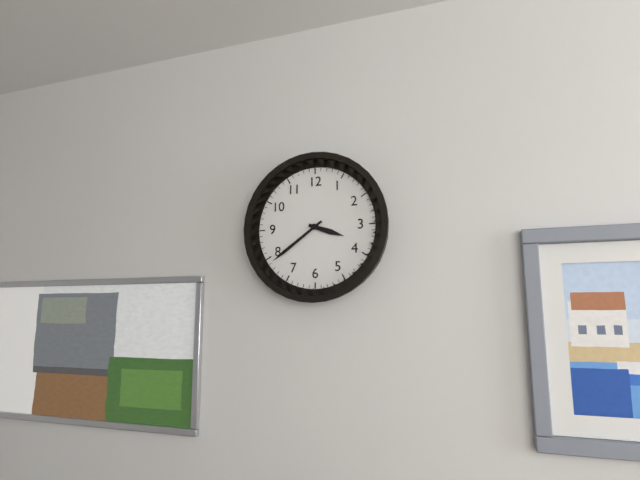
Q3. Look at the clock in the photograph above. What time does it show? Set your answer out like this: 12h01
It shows 3h39
